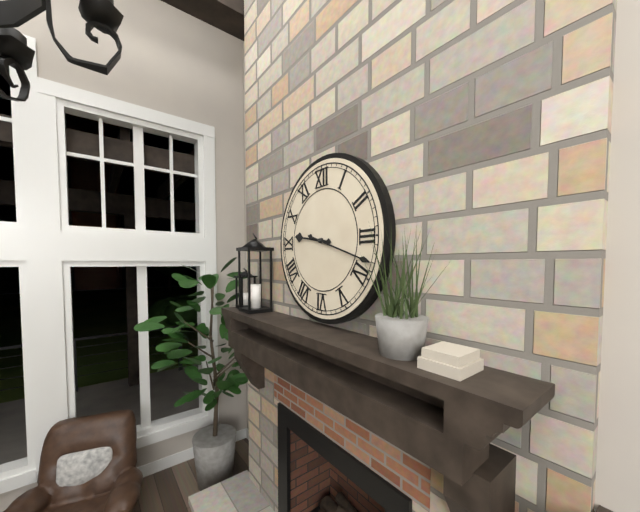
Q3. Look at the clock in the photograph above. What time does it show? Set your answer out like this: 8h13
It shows 9h18
